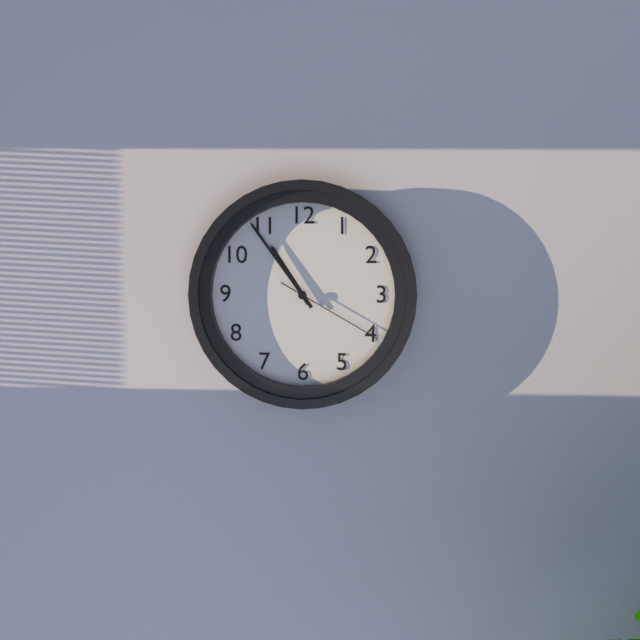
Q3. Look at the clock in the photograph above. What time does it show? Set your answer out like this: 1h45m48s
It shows 10h54m20s
